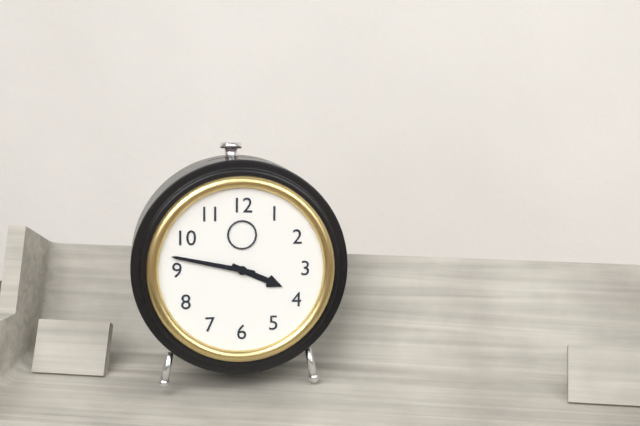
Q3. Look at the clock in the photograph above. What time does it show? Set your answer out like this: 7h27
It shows 3h47
